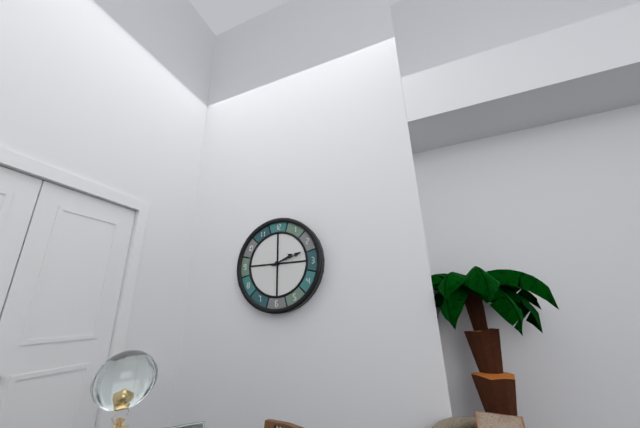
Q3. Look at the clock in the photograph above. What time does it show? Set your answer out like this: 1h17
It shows 2h12
